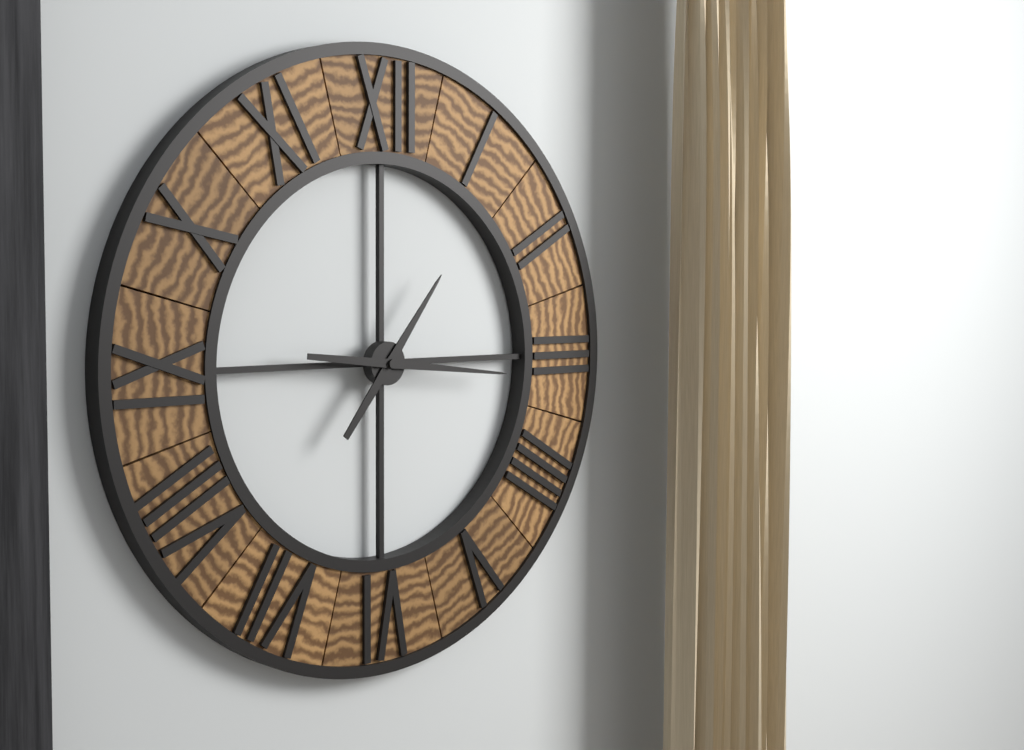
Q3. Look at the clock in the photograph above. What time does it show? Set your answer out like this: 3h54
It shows 1h16
